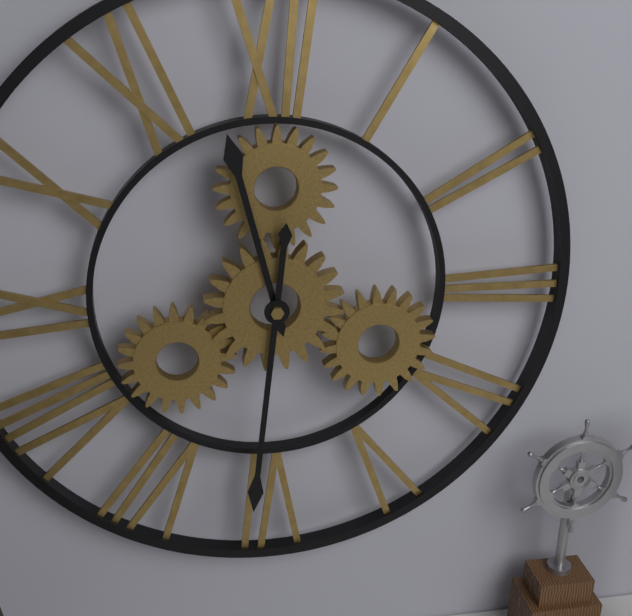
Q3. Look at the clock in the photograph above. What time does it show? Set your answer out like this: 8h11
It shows 11h31
